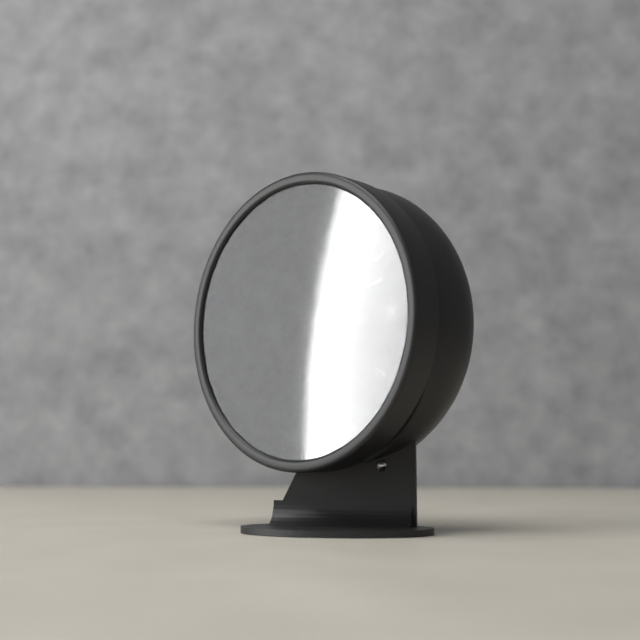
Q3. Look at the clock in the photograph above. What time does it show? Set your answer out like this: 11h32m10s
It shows 3h12m22s
